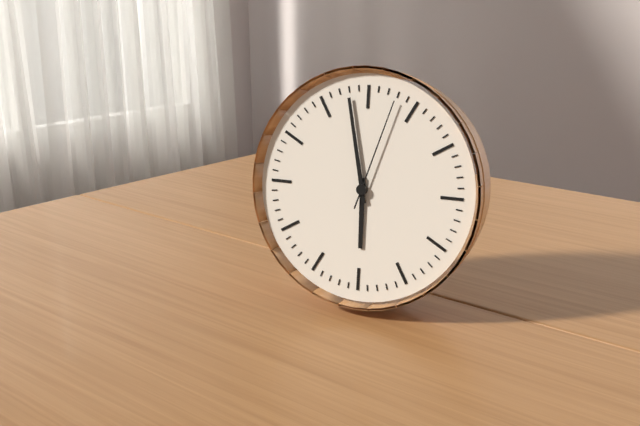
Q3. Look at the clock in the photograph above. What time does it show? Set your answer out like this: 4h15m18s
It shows 5h58m03s
